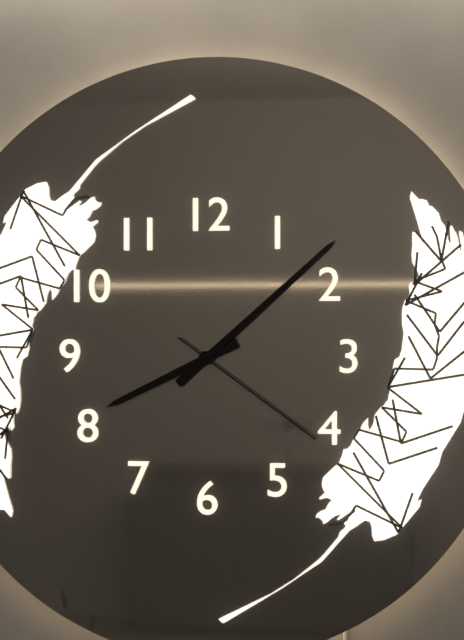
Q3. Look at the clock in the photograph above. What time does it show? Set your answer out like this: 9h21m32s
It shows 8h08m21s
